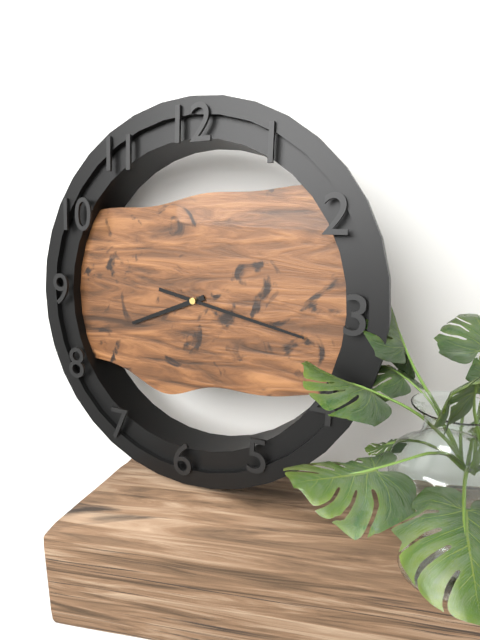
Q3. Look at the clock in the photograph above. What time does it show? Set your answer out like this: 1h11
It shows 8h17
